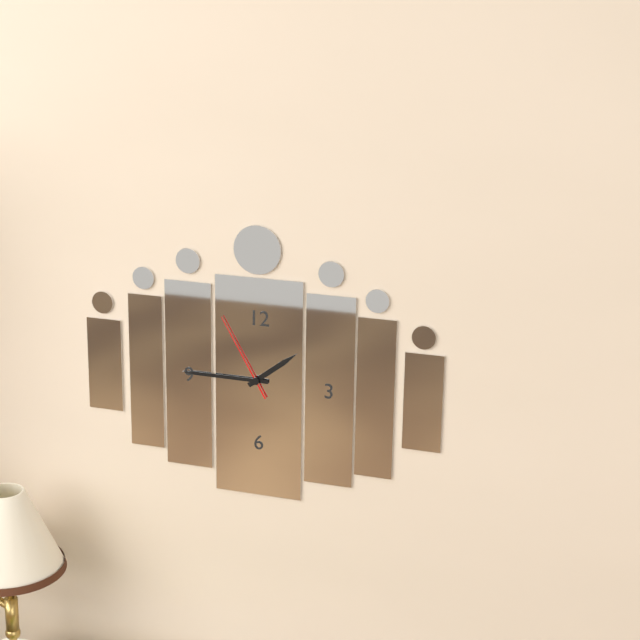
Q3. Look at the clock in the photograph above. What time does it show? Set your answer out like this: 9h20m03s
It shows 1h45m55s
